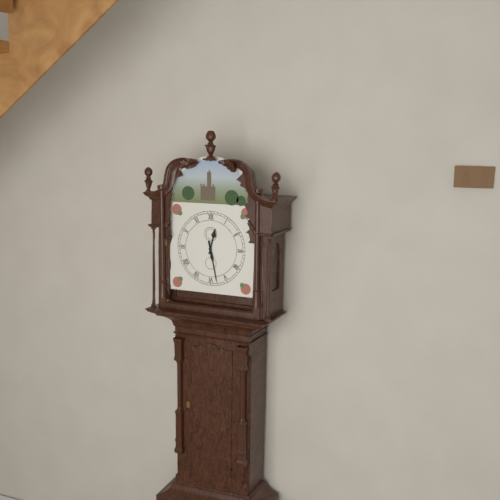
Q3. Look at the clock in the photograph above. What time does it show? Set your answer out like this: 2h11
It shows 12h28
